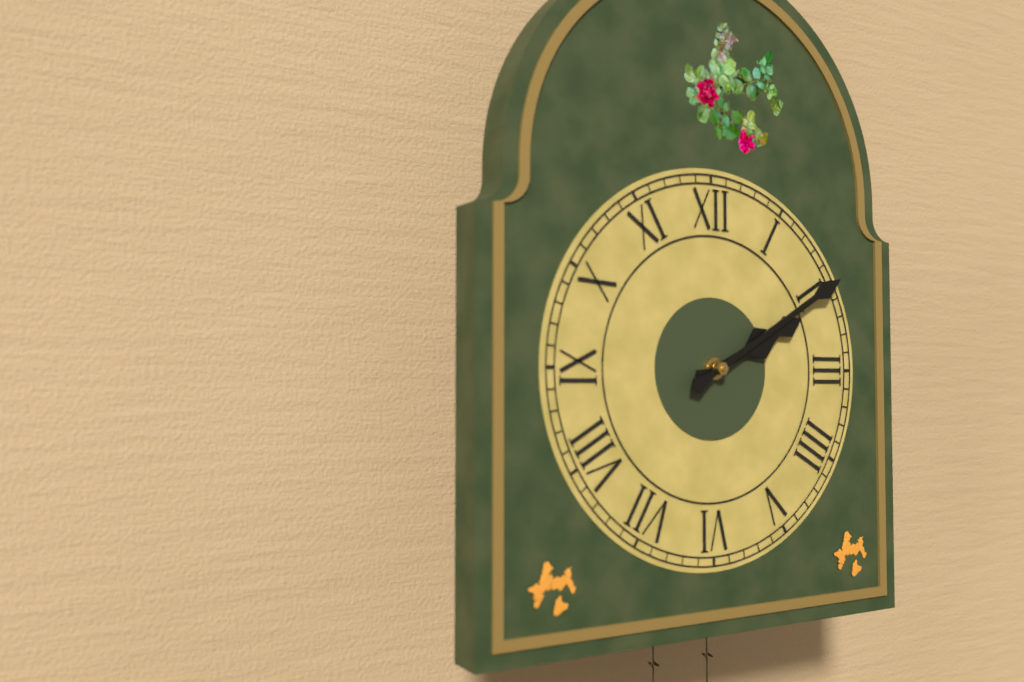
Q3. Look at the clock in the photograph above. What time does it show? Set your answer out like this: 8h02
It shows 2h10
